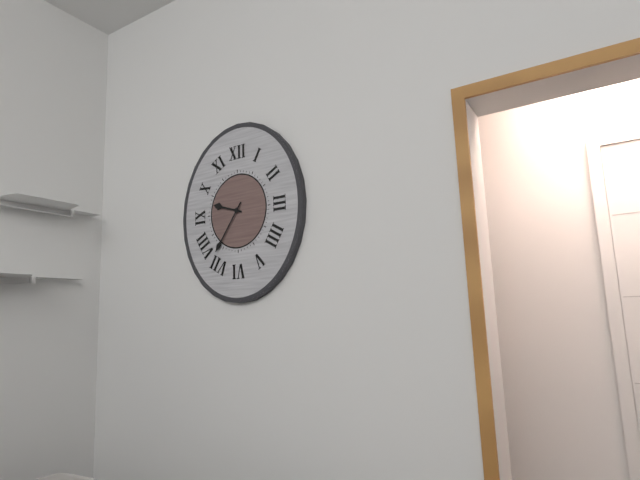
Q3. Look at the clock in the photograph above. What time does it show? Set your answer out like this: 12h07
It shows 9h36
